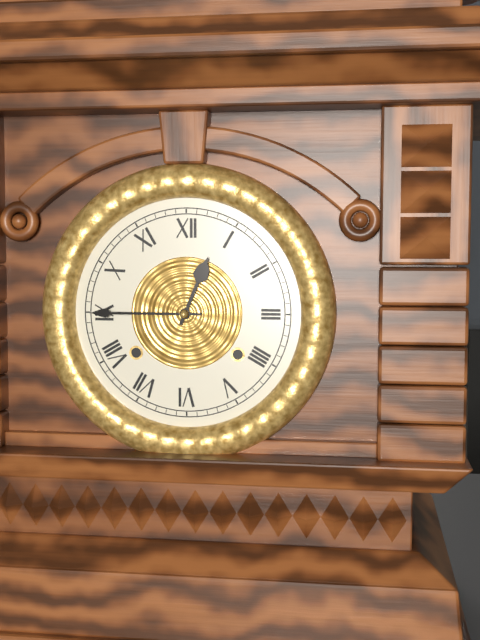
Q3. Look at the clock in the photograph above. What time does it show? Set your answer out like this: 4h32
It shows 12h45
